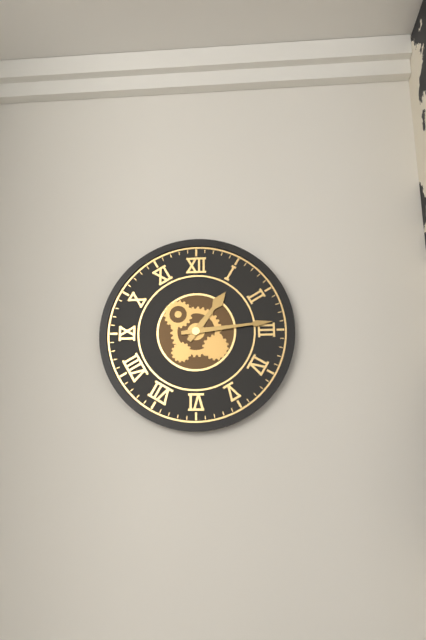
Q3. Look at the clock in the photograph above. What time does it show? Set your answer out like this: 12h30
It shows 1h14
